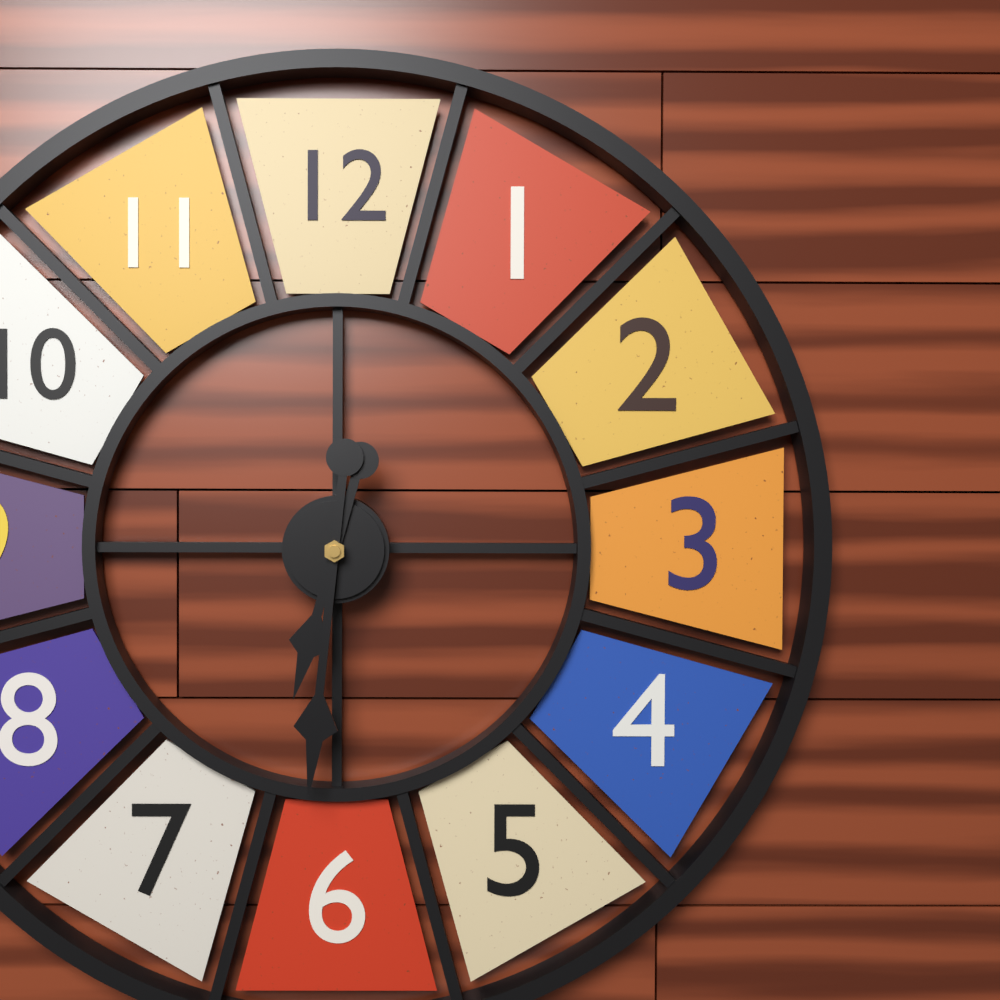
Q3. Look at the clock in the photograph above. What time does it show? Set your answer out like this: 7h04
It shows 6h31
